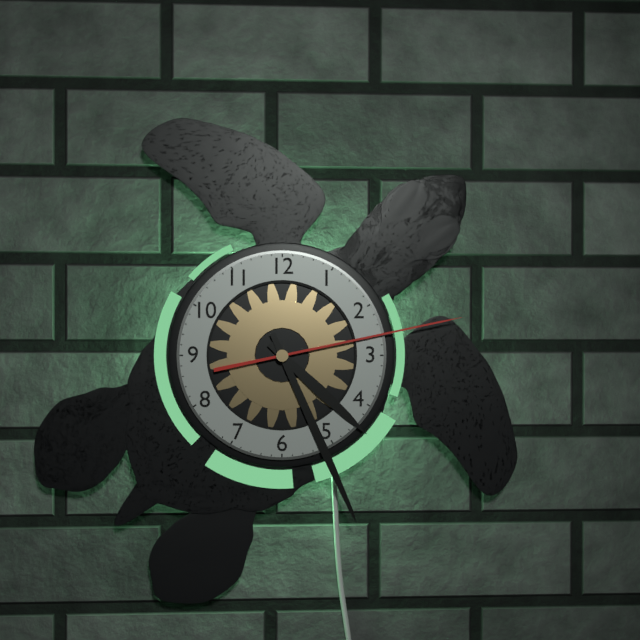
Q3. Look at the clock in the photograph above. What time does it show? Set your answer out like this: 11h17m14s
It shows 4h26m13s
